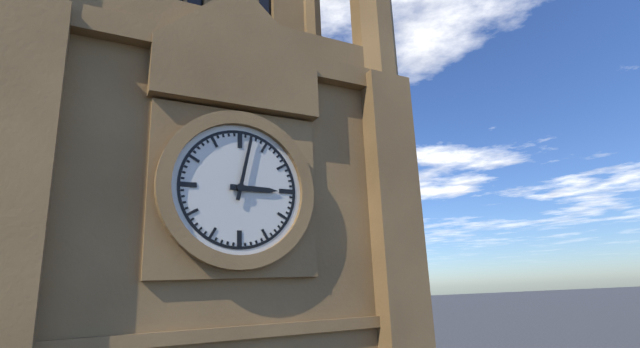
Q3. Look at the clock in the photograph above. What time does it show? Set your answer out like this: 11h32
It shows 3h02
